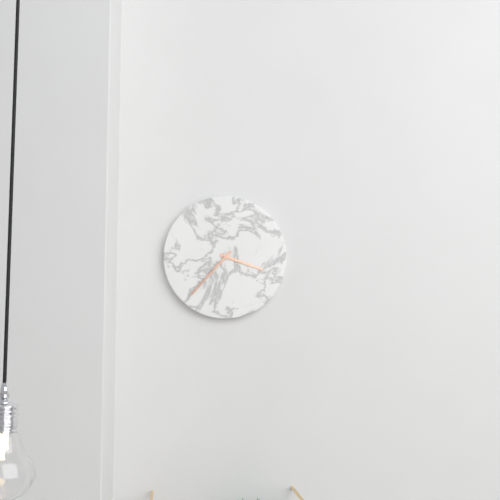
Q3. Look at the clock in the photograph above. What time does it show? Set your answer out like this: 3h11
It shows 3h37
